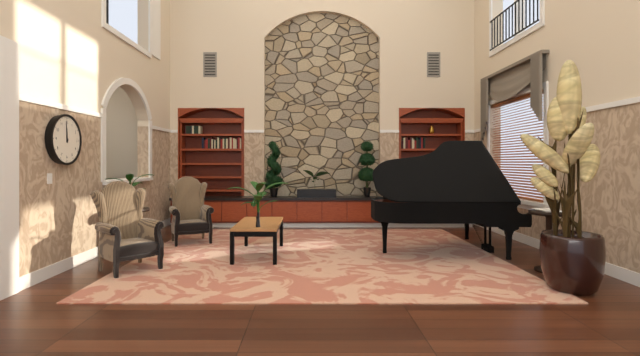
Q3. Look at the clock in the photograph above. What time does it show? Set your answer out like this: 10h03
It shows 11h59
